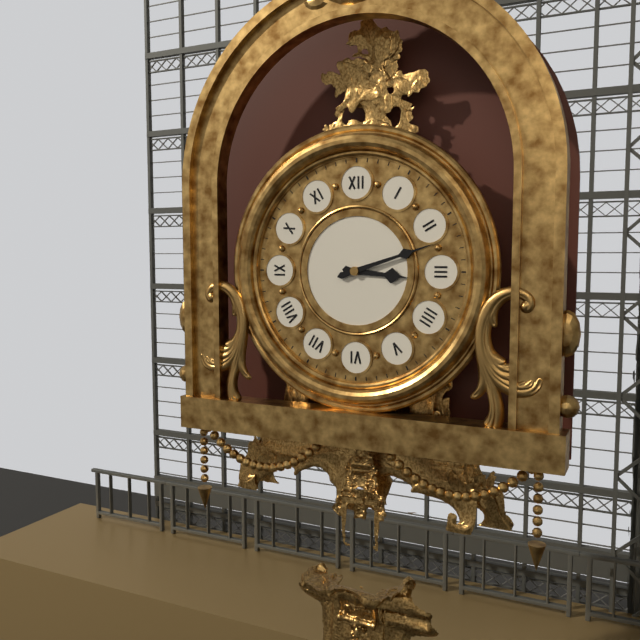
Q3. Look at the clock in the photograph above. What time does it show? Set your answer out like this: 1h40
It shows 3h12
